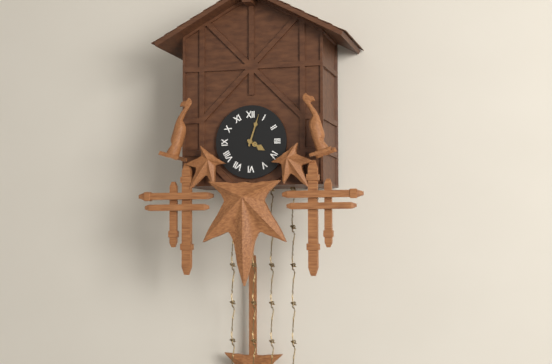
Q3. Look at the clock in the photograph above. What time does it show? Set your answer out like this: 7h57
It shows 4h03
